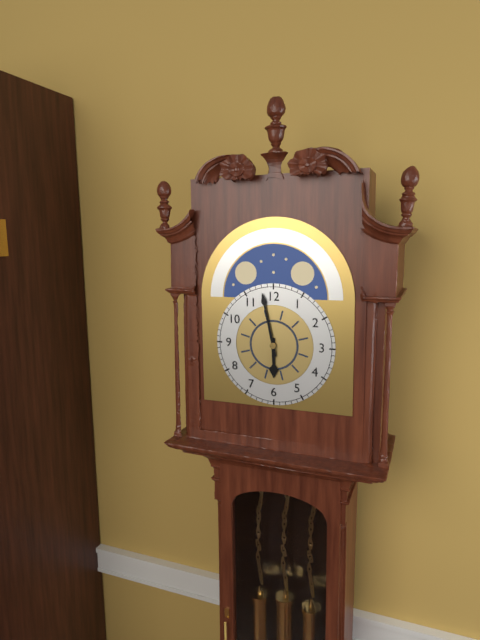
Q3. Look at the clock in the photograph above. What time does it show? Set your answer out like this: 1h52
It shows 5h58
